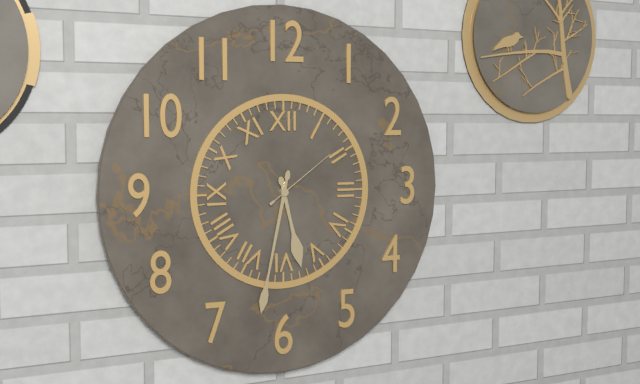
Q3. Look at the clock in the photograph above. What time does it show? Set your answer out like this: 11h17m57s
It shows 5h32m09s
